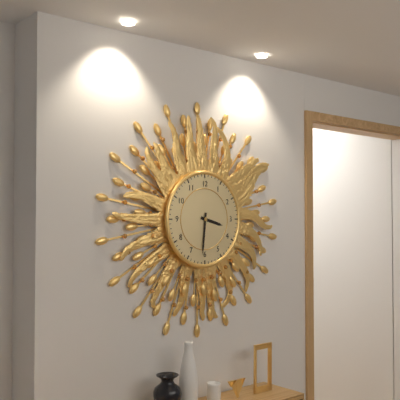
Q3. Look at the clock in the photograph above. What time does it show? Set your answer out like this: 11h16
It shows 3h31
